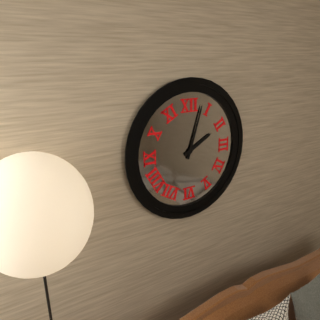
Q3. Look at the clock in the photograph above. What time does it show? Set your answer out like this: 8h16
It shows 2h03
